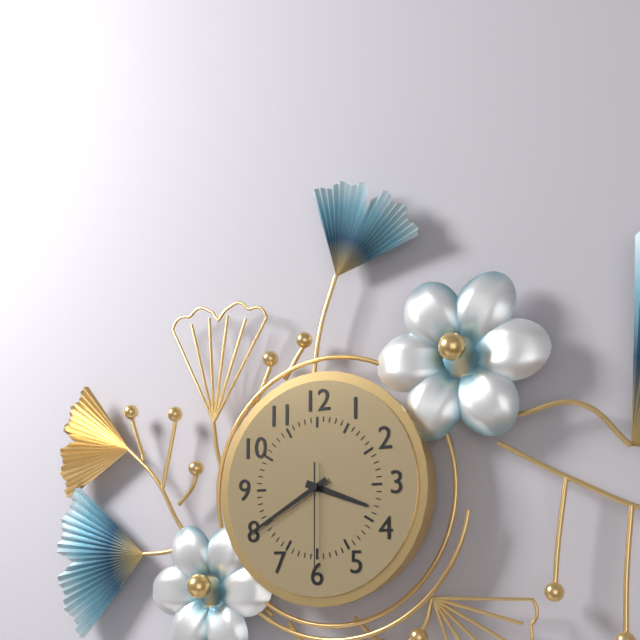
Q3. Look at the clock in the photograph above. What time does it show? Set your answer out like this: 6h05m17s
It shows 3h40m30s
